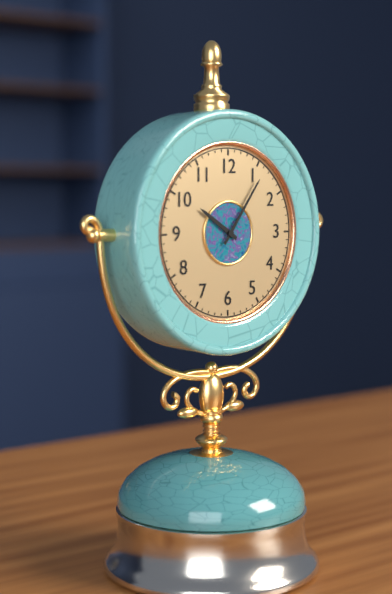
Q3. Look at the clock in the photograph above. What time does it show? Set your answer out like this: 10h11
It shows 10h06
